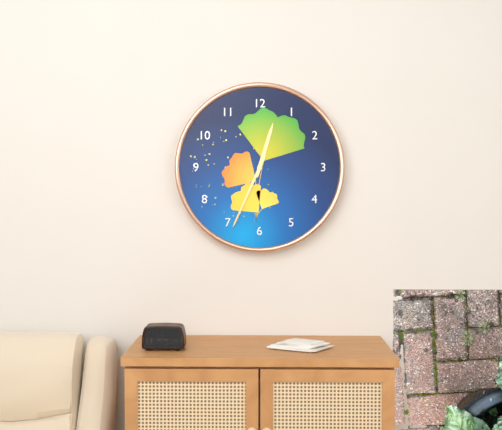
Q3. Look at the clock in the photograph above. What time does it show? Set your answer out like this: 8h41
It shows 12h34
